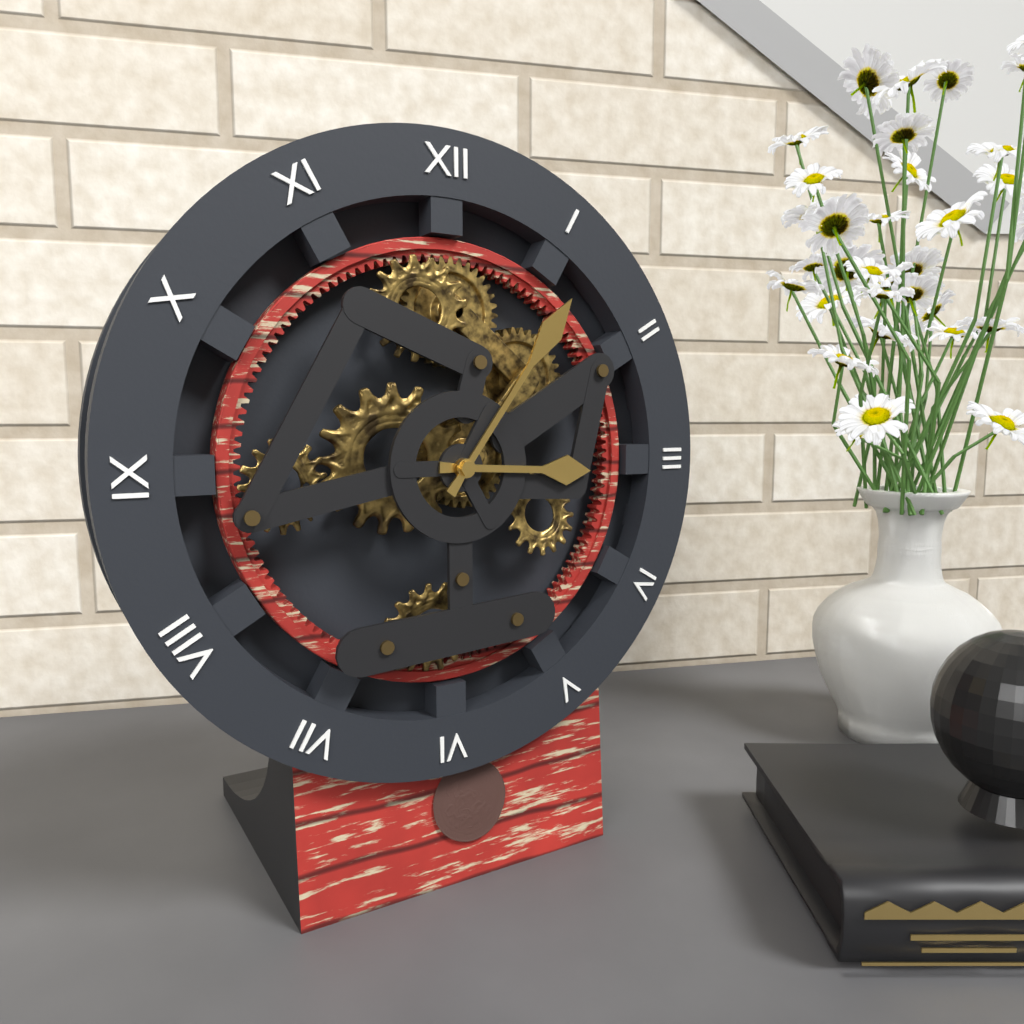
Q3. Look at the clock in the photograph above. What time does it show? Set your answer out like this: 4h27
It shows 3h06
